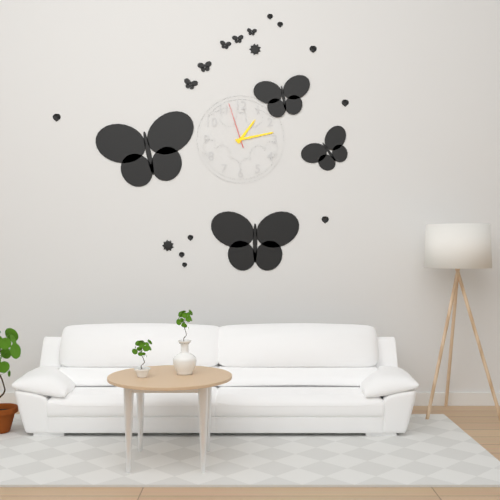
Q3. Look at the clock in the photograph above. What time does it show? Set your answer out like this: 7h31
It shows 1h13
